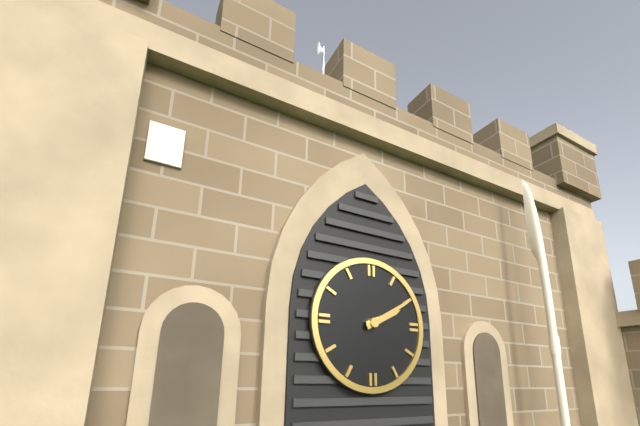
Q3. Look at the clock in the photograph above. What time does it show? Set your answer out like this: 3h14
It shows 2h10
